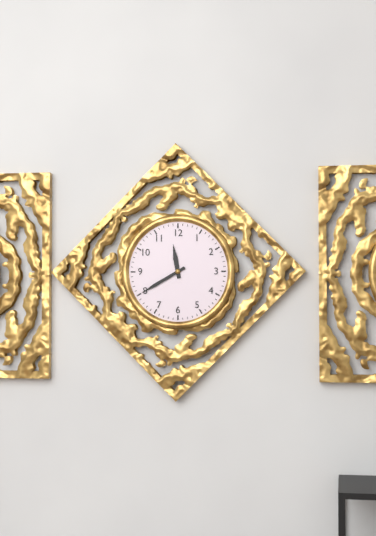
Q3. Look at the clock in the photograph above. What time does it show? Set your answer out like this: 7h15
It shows 11h40
